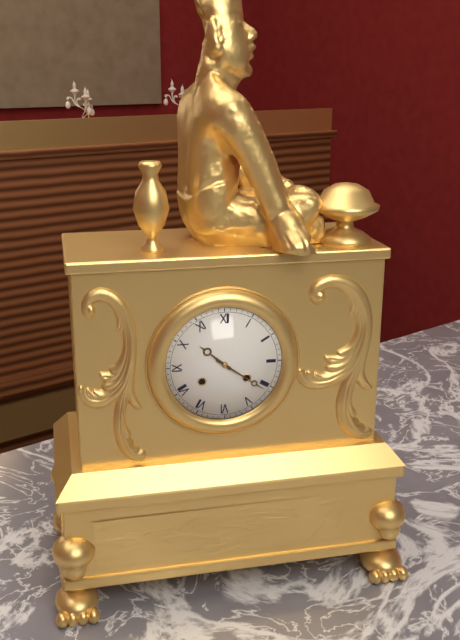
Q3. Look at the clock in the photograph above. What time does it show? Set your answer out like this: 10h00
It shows 10h21
